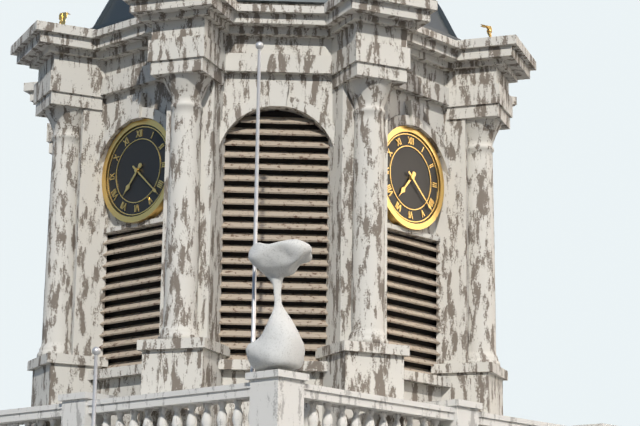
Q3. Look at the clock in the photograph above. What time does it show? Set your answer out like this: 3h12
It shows 7h22
